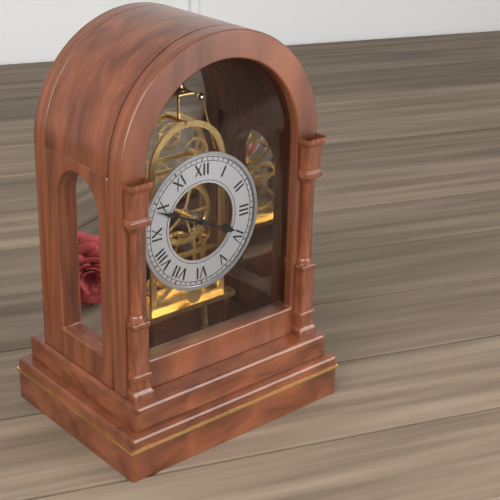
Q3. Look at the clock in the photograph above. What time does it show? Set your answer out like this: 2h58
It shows 3h49
